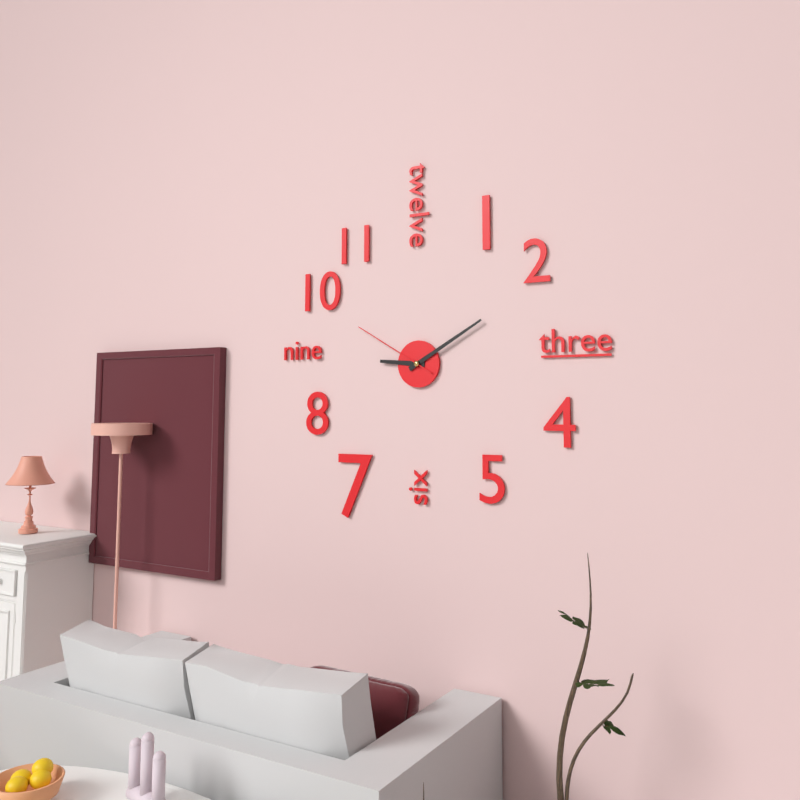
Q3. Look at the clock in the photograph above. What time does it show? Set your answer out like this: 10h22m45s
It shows 9h10m50s
